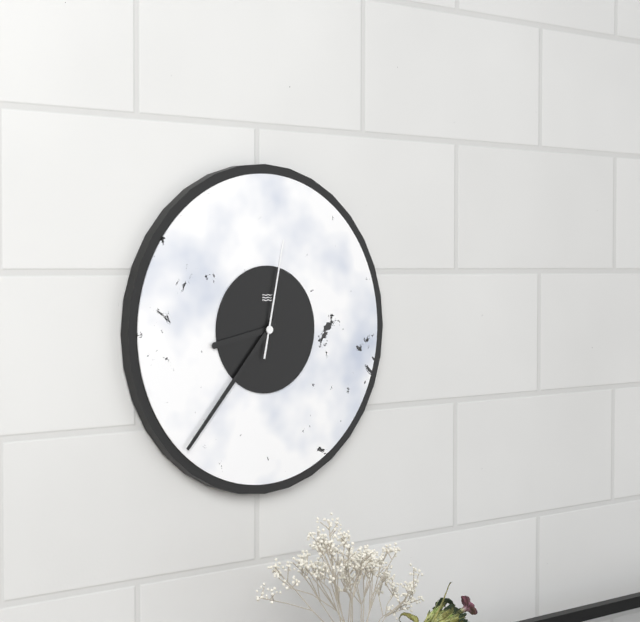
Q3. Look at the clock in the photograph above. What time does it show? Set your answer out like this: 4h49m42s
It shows 8h37m02s
